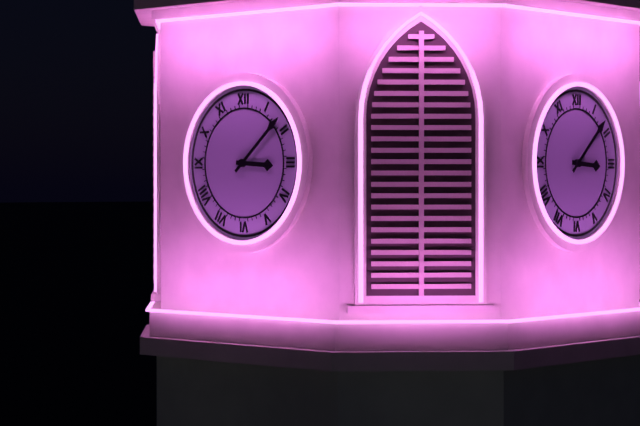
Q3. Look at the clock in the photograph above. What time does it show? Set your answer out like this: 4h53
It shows 3h08
